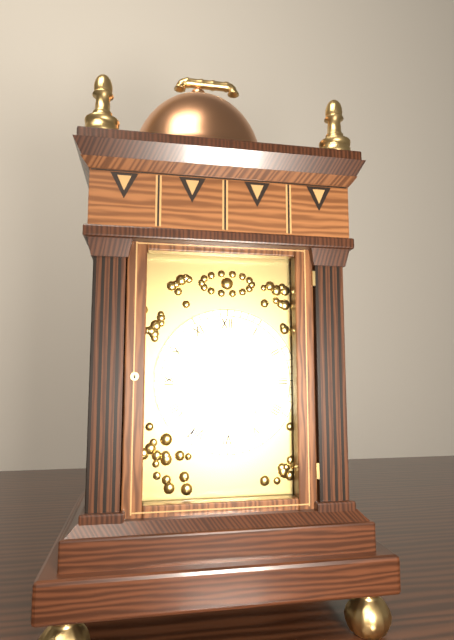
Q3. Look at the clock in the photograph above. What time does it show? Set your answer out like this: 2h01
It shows 4h36
